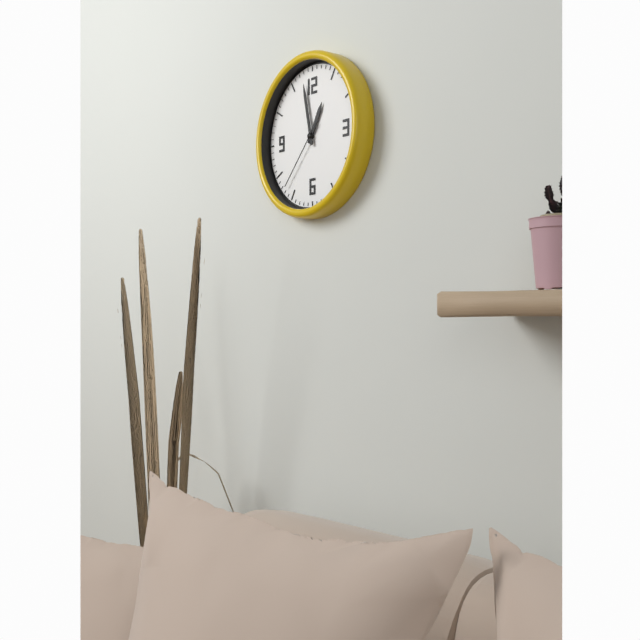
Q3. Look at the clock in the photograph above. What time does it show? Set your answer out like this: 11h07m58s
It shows 12h58m37s
